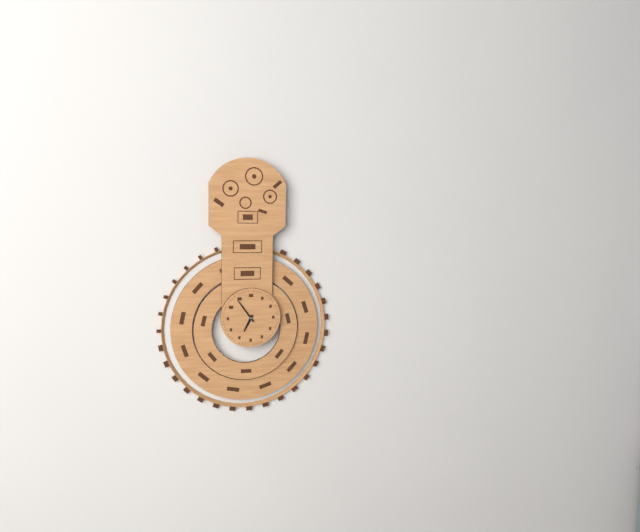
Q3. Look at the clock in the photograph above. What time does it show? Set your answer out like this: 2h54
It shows 6h54
